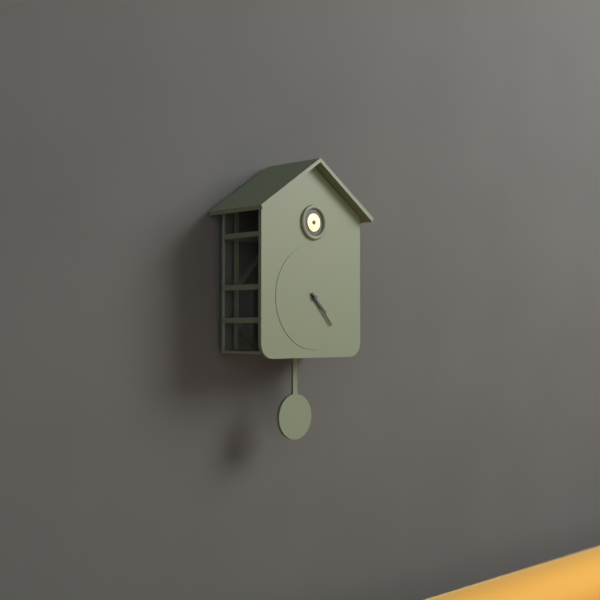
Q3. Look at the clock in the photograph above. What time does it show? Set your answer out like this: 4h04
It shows 4h23
